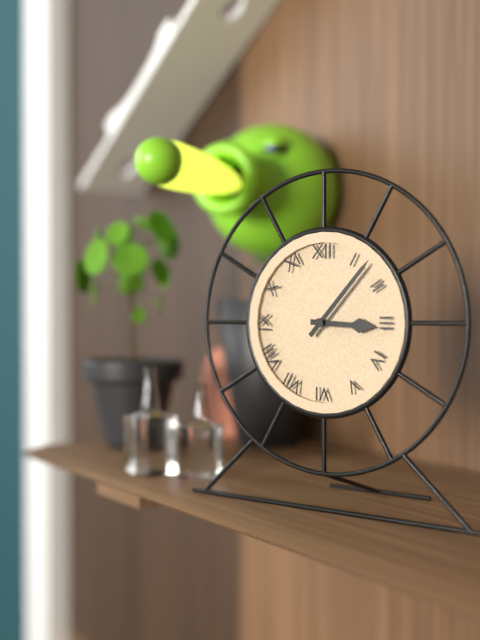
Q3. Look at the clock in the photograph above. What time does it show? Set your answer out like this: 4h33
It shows 3h07
